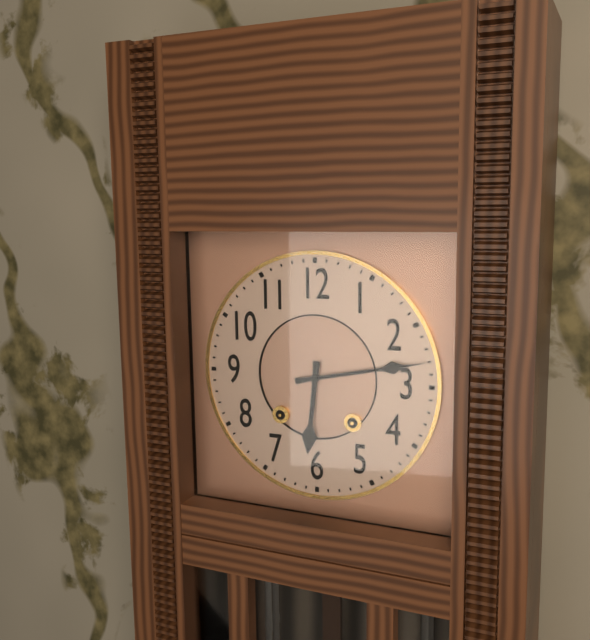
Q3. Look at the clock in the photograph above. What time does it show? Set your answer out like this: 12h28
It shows 6h13
